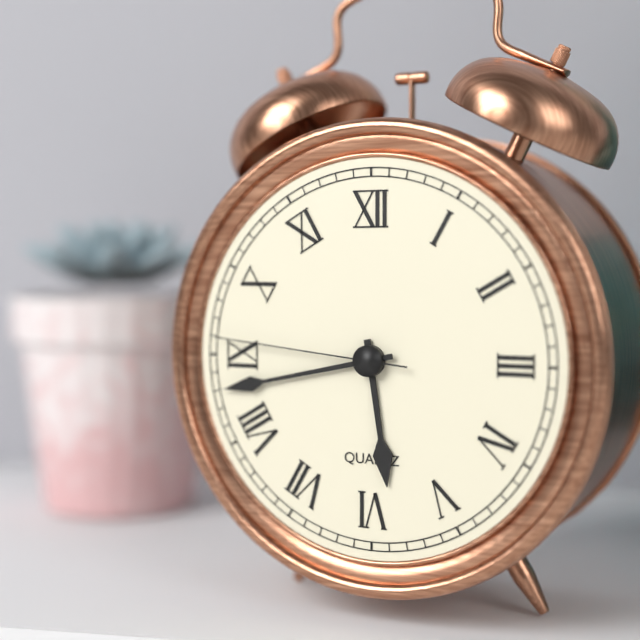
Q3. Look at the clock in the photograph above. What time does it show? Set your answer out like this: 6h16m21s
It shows 5h43m46s
